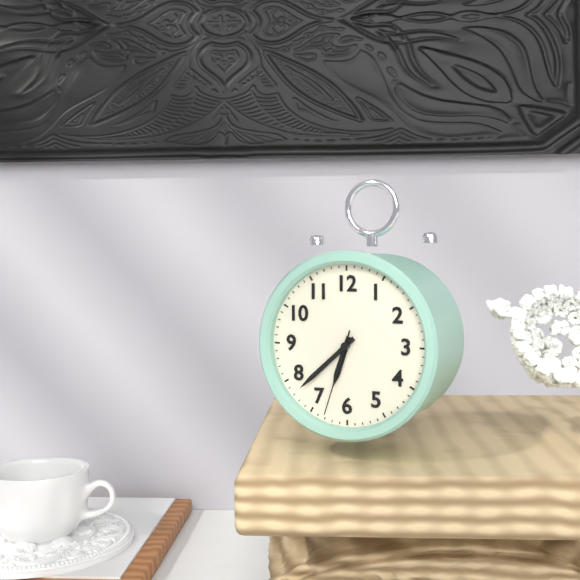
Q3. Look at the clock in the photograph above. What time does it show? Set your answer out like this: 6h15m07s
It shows 6h38m33s
